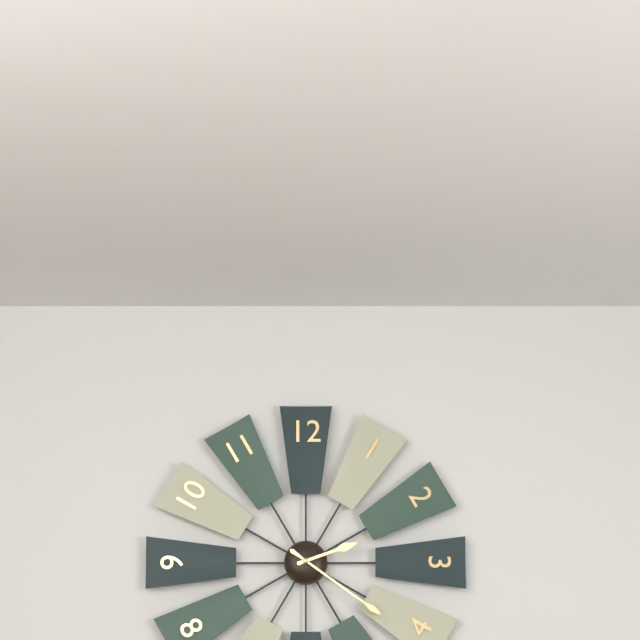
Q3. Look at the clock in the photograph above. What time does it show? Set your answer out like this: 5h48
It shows 2h21
